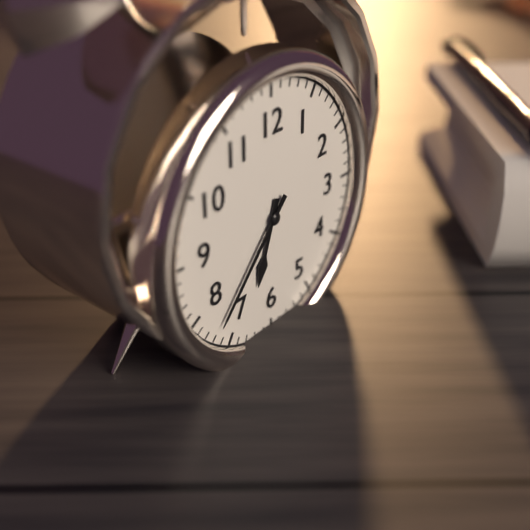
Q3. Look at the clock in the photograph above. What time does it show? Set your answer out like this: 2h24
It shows 6h37
